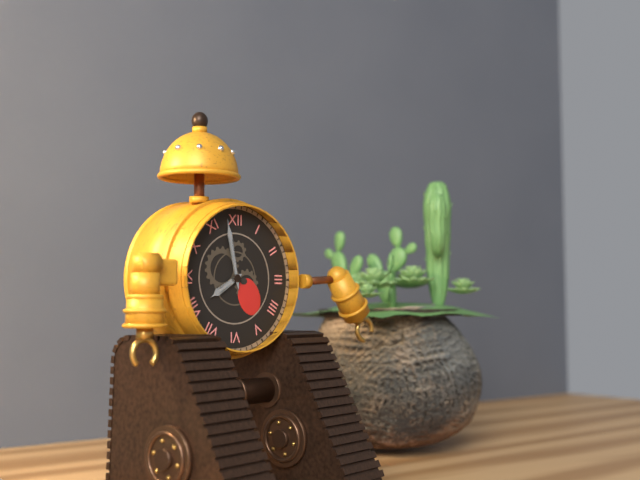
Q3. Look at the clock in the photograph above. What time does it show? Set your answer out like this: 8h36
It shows 7h58
